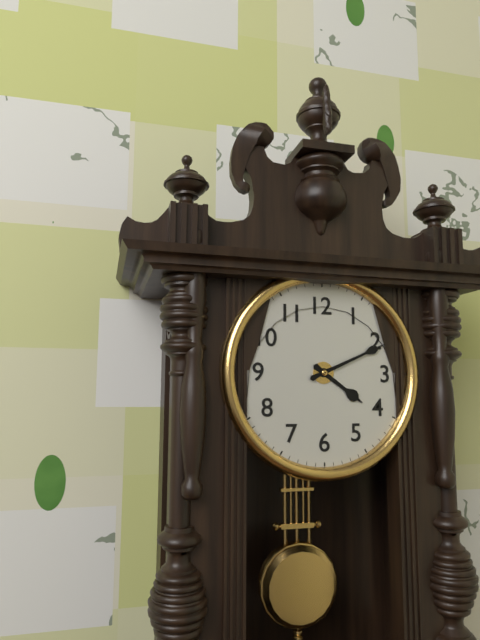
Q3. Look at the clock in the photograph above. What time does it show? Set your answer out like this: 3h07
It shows 4h11
